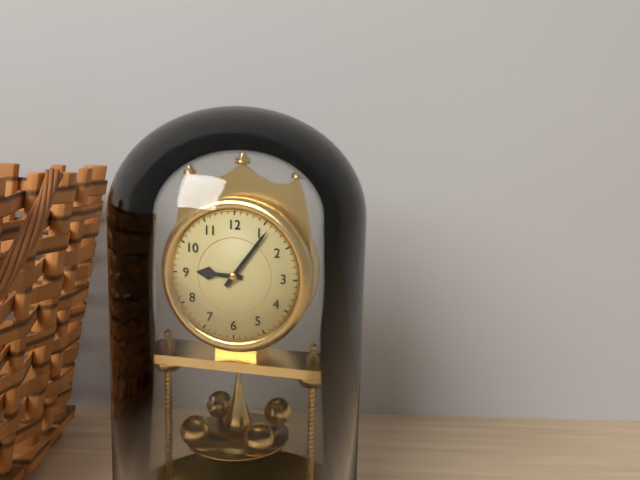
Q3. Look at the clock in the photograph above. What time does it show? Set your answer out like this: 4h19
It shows 9h06
